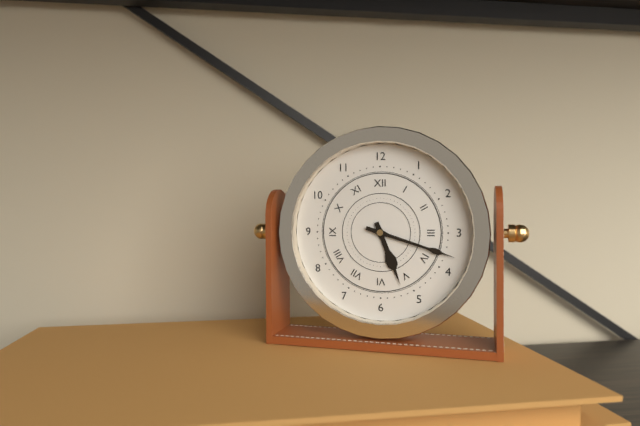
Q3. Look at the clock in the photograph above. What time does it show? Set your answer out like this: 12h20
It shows 5h18
